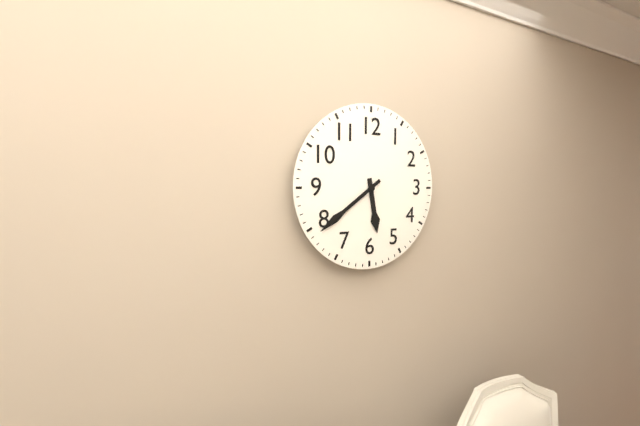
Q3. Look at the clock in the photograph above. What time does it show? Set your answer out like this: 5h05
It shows 5h39
